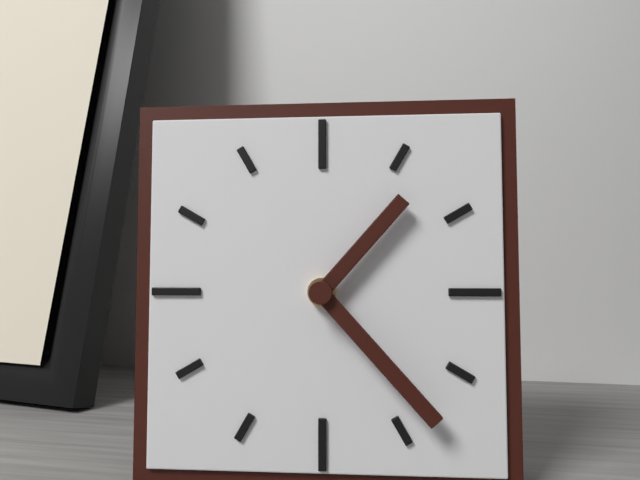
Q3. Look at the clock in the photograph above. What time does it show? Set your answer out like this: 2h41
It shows 1h23
